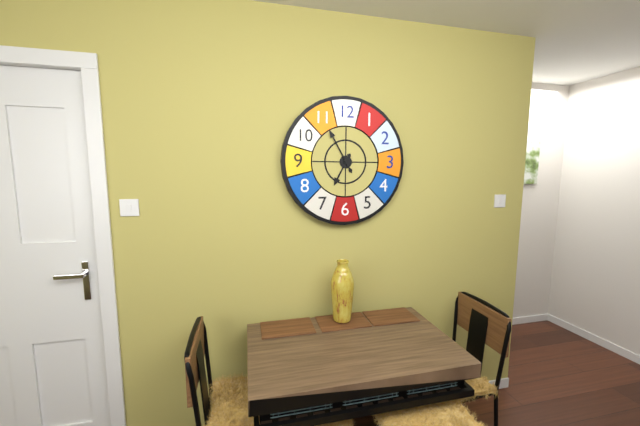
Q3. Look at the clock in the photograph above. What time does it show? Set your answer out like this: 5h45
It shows 6h55
